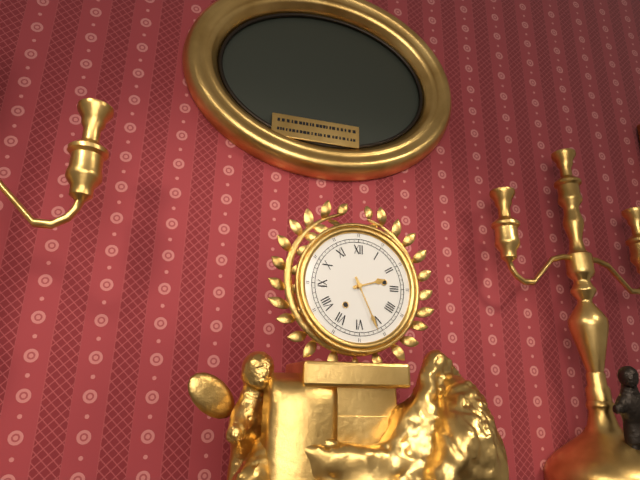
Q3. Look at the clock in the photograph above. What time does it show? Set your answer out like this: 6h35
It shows 2h26
